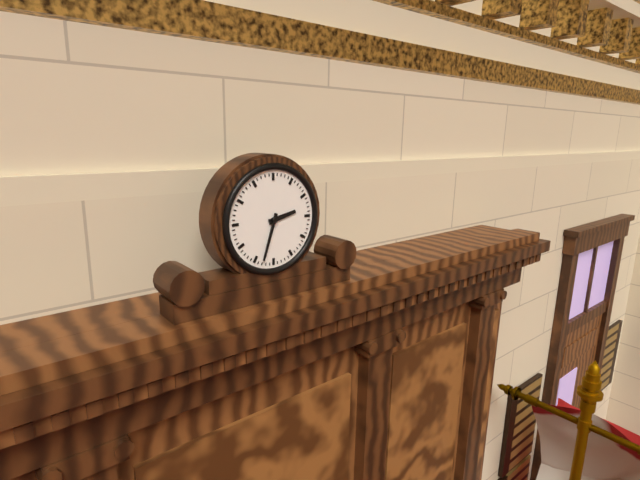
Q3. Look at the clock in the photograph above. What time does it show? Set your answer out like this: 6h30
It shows 2h33
